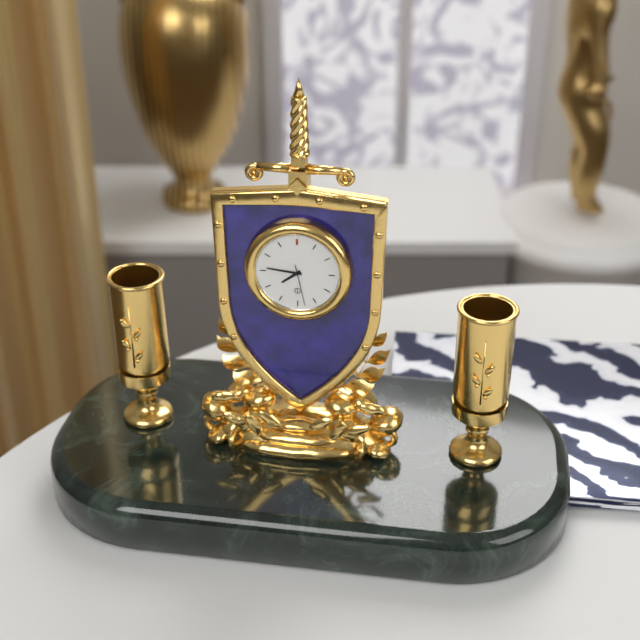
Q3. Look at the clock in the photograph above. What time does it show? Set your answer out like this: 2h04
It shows 7h46
